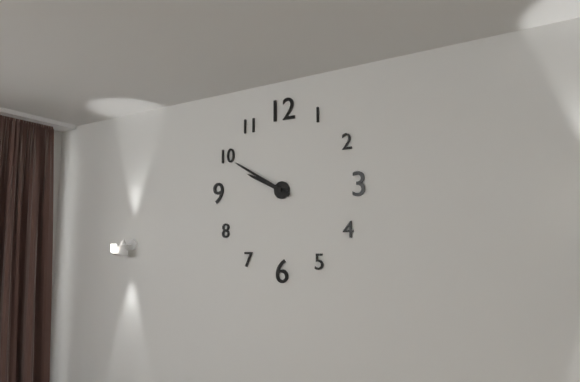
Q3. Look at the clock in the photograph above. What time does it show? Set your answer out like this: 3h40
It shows 9h50
